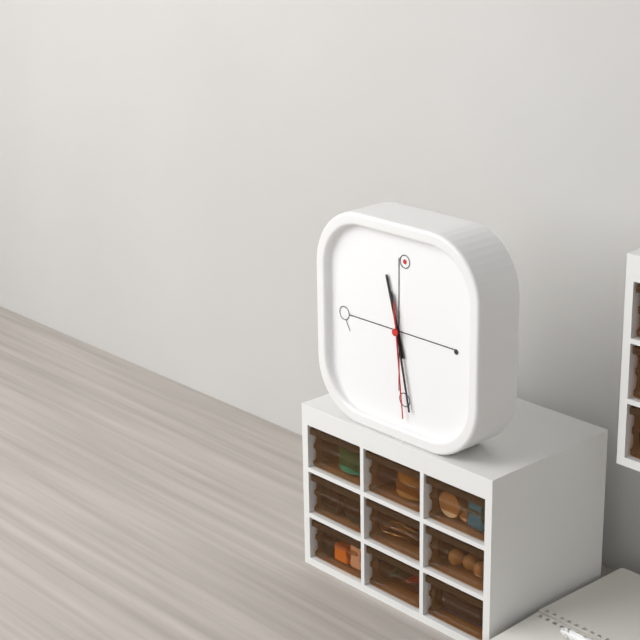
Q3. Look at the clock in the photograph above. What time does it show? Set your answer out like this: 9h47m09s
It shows 11h28m29s
